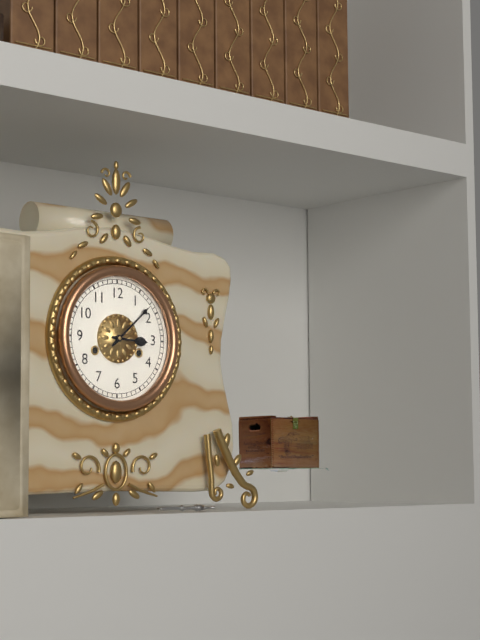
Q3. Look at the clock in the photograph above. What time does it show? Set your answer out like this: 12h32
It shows 3h08
